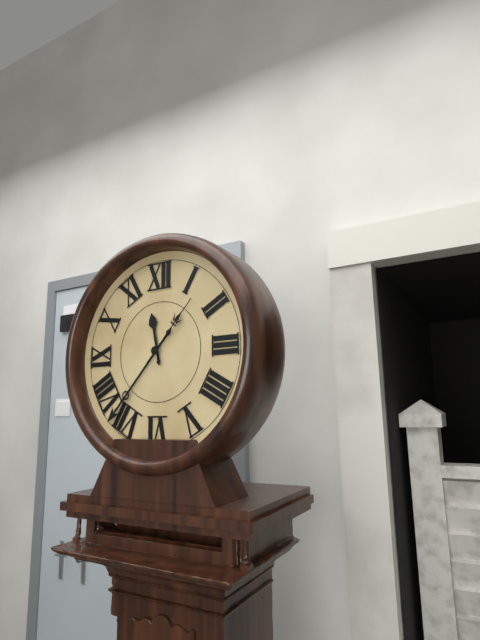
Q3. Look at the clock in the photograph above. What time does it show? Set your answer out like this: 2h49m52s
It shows 11h37m07s
